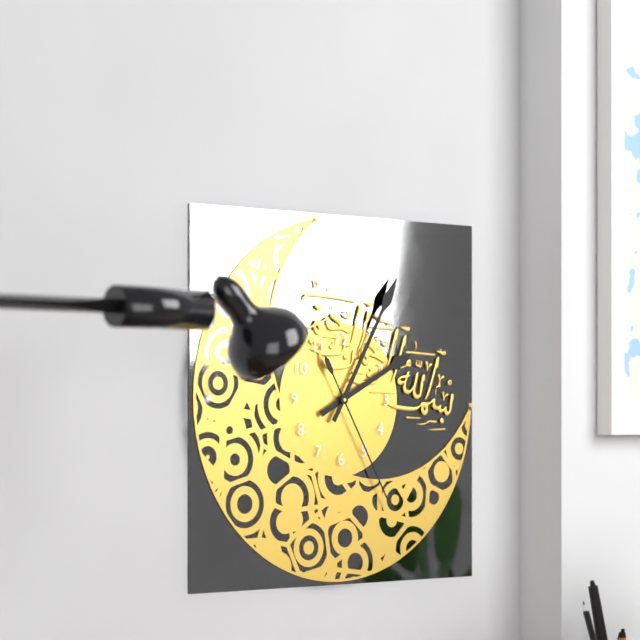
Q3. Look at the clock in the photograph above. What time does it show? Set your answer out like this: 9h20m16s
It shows 2h05m25s
